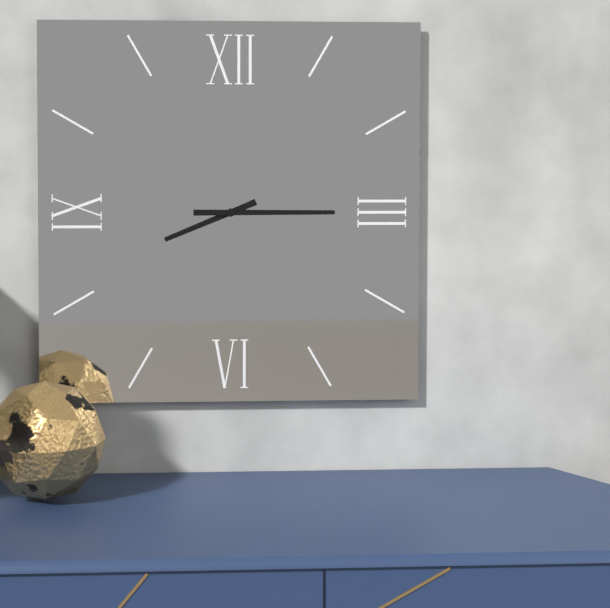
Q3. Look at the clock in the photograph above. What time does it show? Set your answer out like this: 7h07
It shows 8h15
